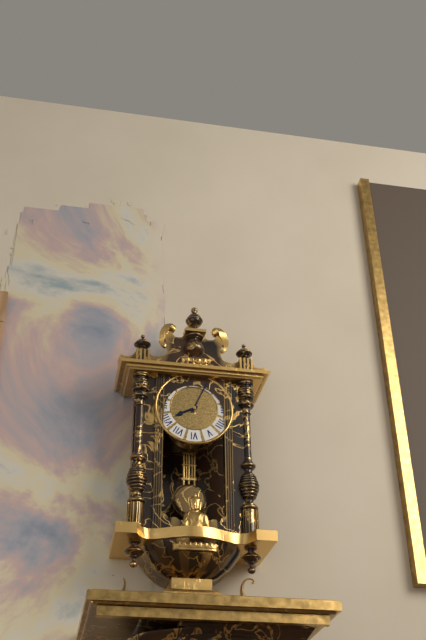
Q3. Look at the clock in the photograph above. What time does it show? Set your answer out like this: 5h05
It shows 8h04
